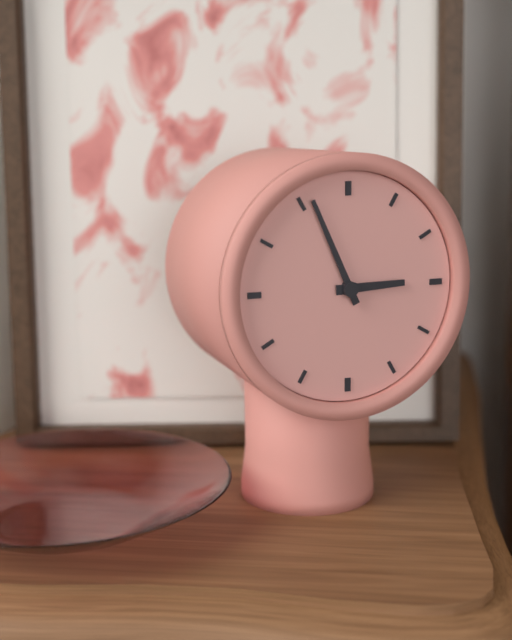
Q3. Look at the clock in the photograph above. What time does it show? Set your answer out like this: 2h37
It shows 2h56
